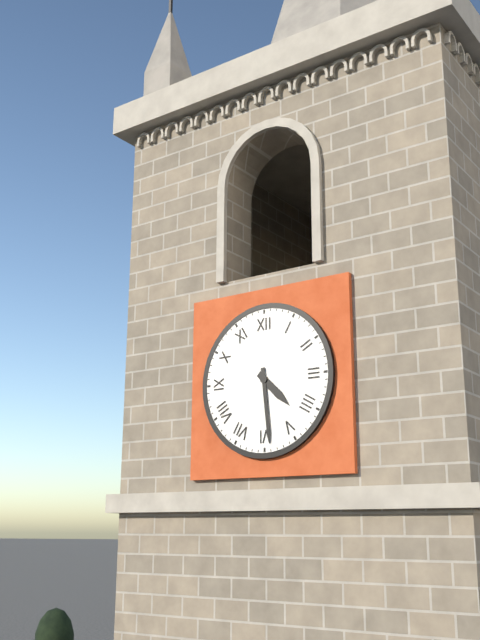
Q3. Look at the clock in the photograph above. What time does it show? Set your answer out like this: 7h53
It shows 4h29
